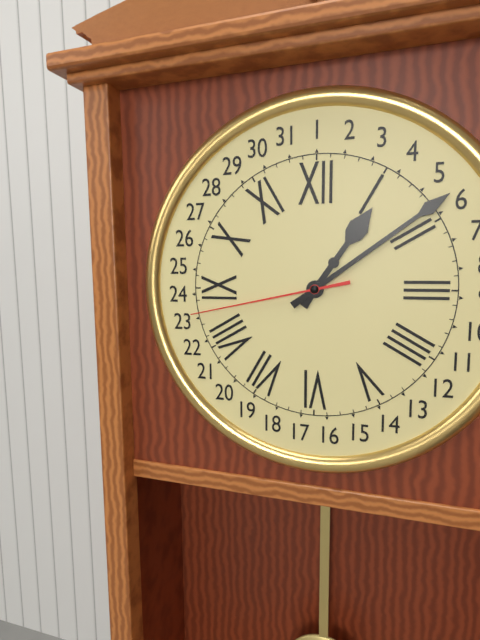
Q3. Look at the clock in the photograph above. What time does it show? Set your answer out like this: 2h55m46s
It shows 1h09m43s
